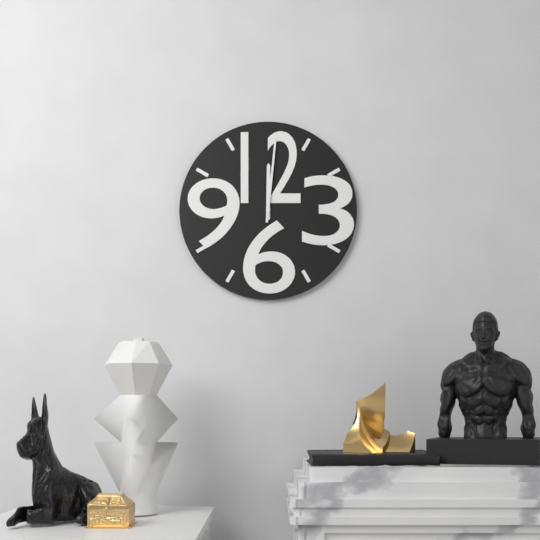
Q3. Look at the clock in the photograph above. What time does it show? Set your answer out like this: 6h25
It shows 12h01
